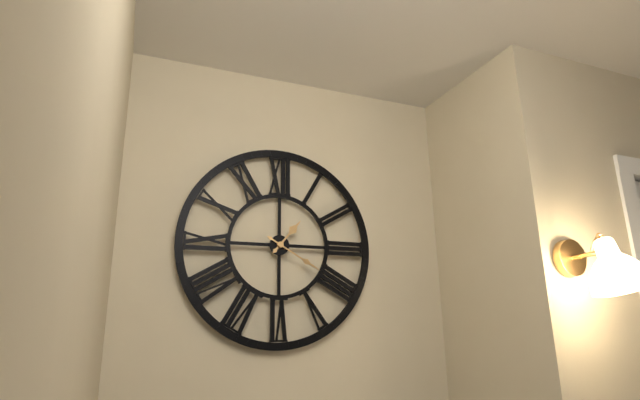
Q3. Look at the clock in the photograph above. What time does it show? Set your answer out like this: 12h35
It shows 1h20
